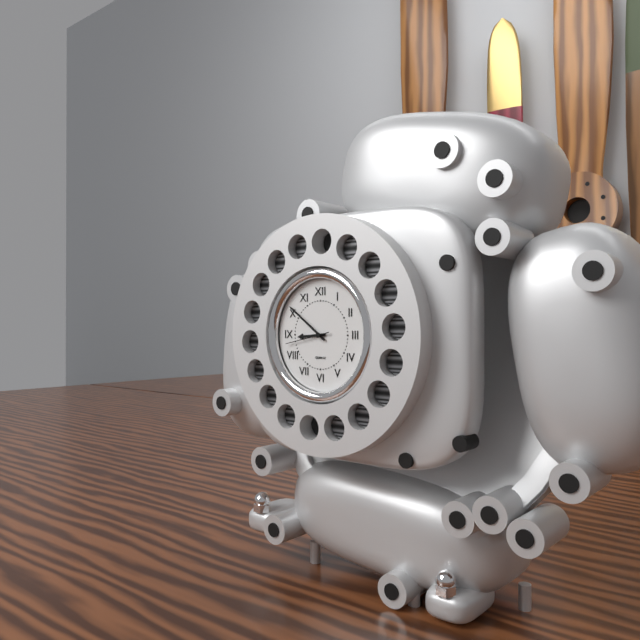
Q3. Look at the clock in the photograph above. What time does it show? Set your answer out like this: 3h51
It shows 8h51
